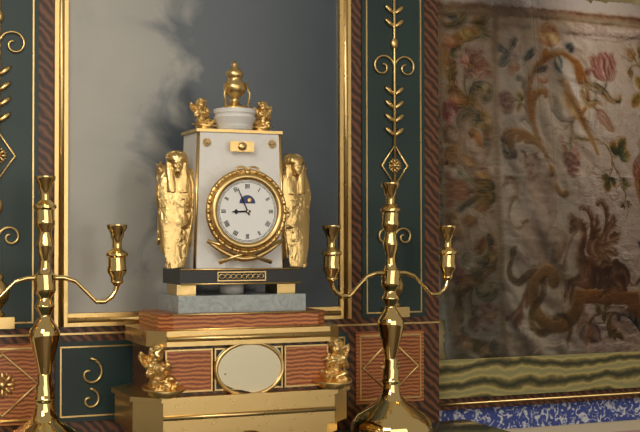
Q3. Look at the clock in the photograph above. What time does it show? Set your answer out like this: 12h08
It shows 8h56
